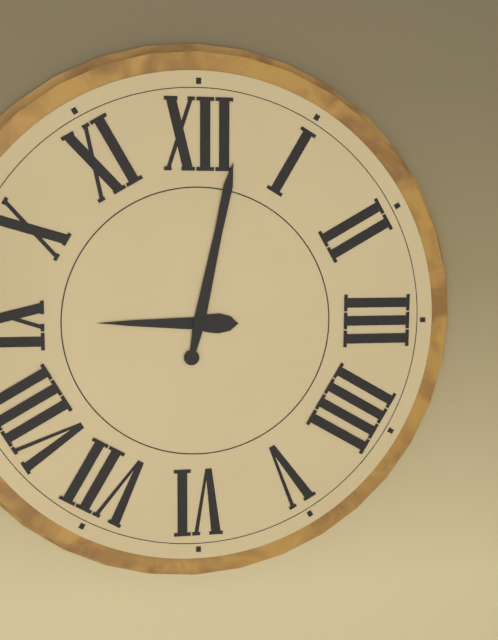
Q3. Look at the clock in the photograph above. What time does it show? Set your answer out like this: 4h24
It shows 9h02
